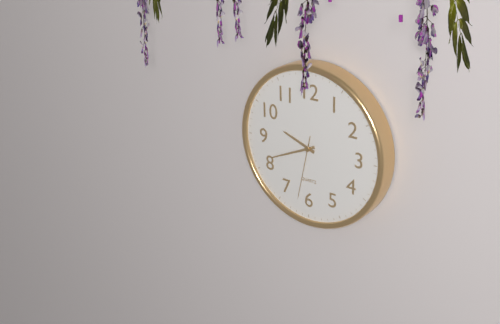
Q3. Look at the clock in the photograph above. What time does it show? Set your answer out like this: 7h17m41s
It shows 9h41m32s
